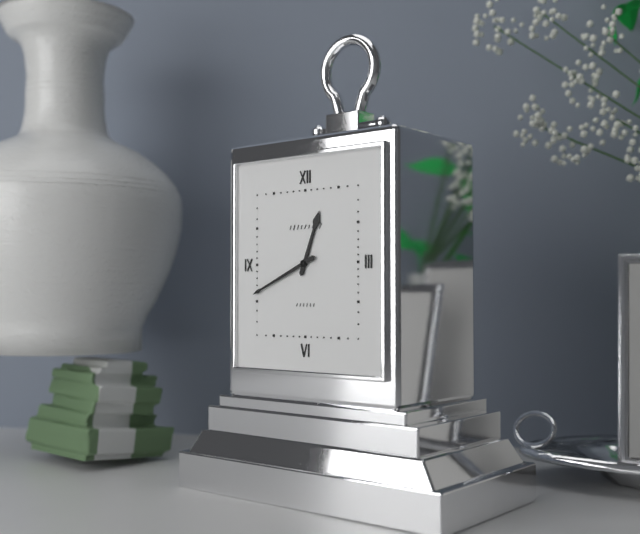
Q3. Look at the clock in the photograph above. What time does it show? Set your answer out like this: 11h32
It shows 12h41
